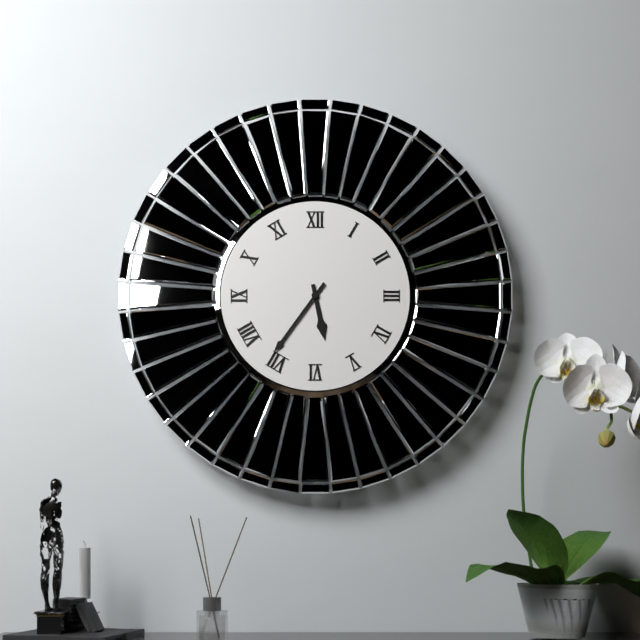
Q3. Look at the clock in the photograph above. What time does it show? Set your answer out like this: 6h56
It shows 5h36
